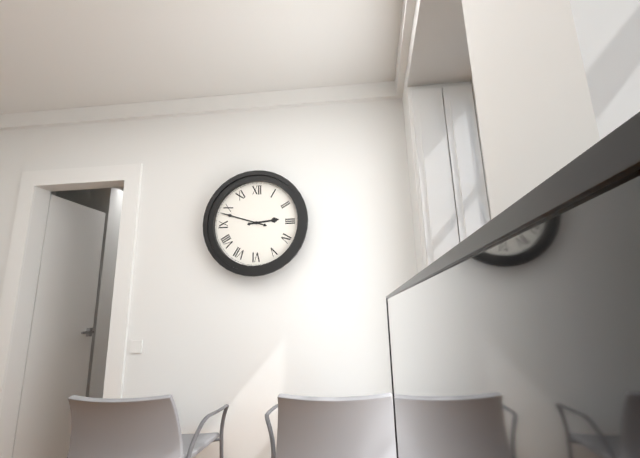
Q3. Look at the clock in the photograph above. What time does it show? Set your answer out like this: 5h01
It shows 2h48
